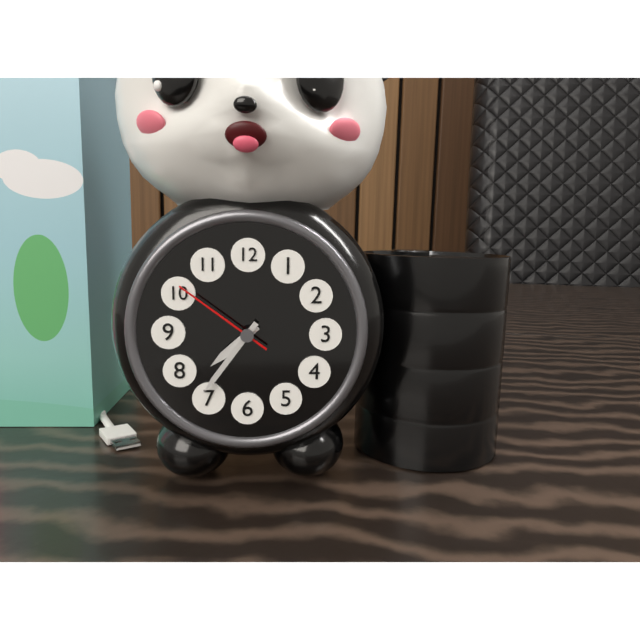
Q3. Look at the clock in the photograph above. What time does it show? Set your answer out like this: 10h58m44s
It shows 7h36m51s
